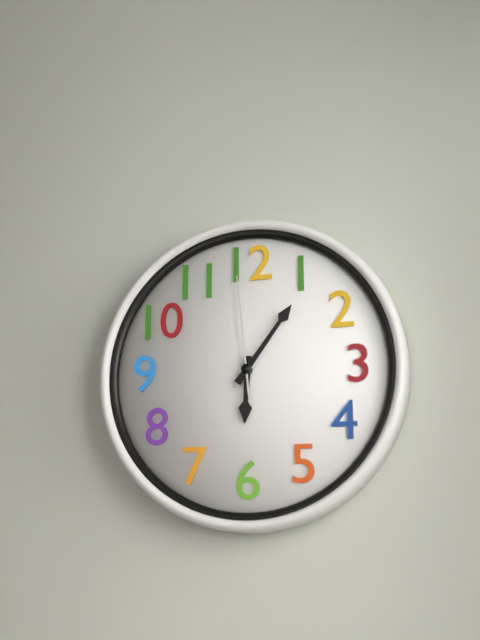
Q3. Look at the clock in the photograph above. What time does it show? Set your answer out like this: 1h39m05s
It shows 6h06m59s
